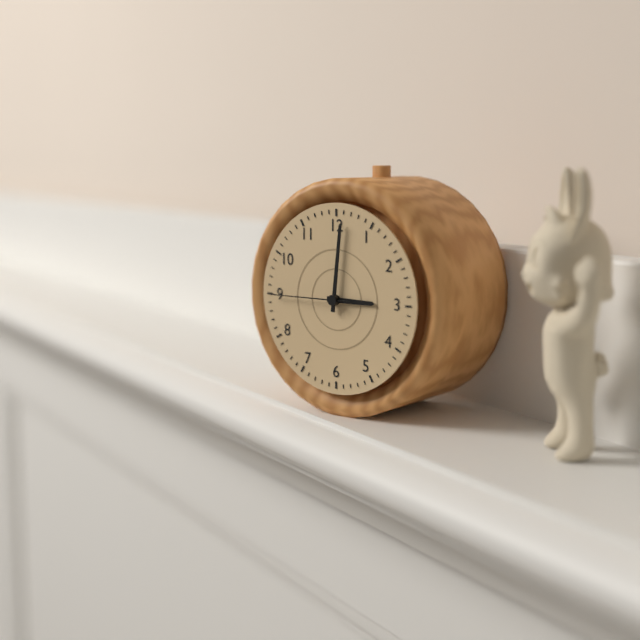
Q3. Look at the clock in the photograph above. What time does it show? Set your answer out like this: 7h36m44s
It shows 3h01m45s
